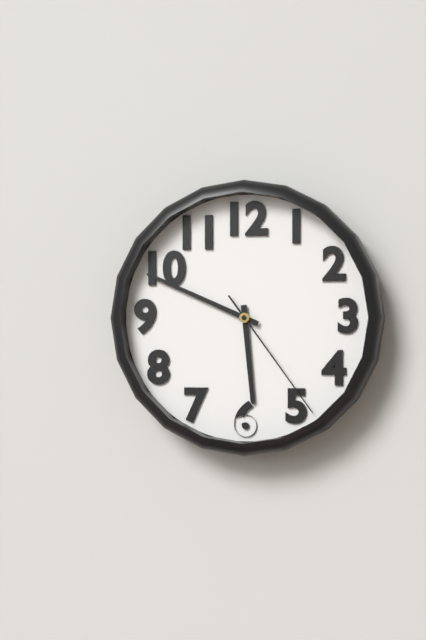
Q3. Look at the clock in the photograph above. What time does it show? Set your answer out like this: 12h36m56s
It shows 5h49m24s
